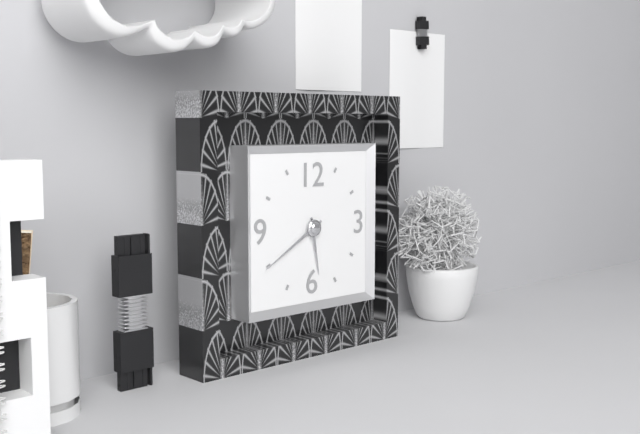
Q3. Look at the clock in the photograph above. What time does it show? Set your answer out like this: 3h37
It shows 5h40
